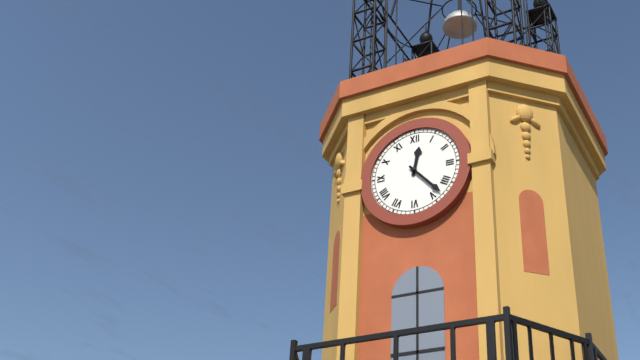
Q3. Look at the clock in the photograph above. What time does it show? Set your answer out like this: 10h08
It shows 12h23
